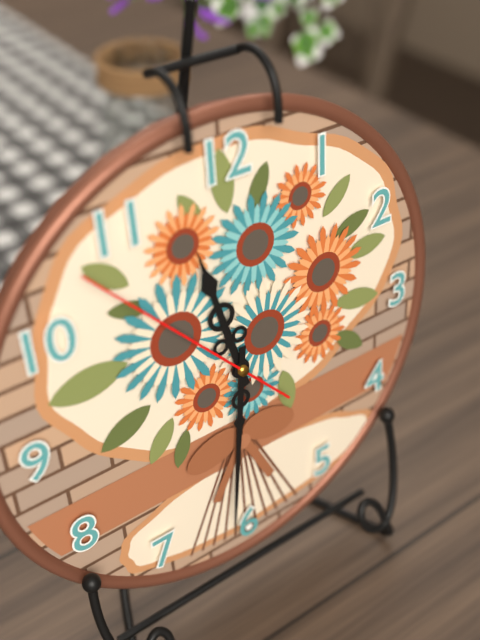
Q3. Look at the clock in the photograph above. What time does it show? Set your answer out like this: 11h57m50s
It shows 11h31m53s
